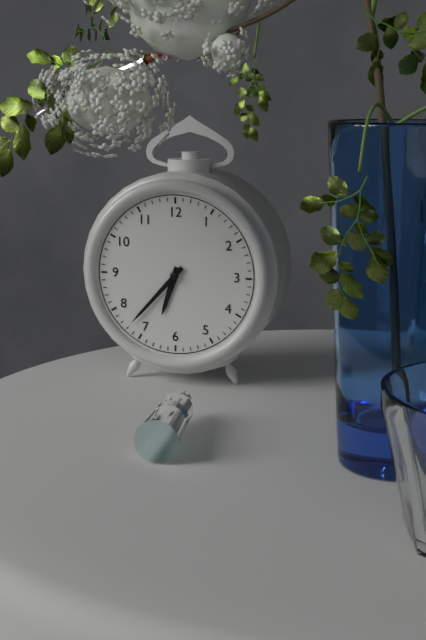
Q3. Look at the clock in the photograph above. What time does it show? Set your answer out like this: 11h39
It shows 6h37
